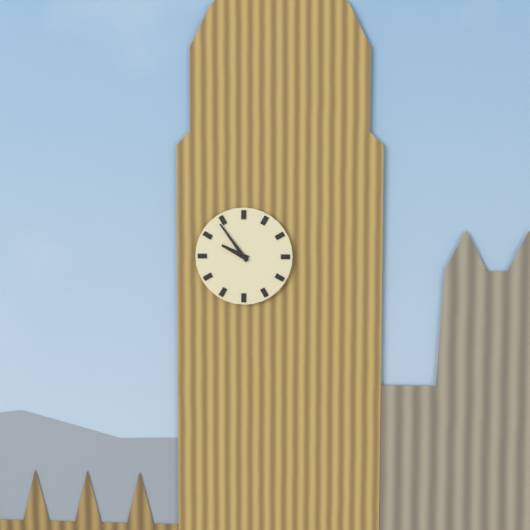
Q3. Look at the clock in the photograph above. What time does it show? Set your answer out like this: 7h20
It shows 9h54
